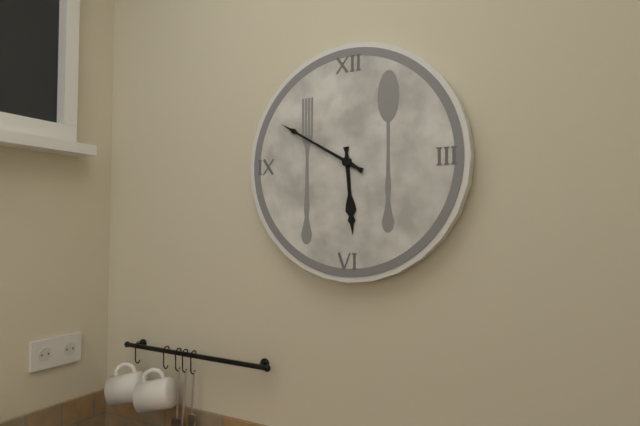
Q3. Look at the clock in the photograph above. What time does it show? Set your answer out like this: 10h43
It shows 5h50
